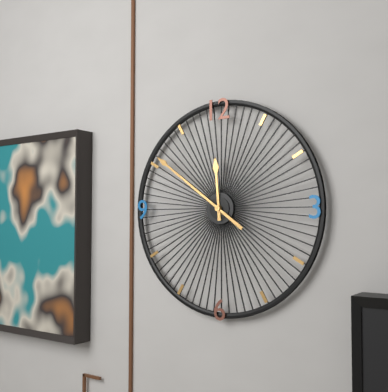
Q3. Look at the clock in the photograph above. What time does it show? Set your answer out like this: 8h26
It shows 11h51
